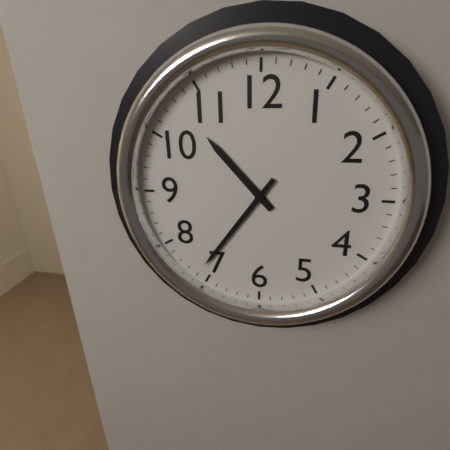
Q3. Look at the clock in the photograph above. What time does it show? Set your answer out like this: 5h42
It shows 10h36
